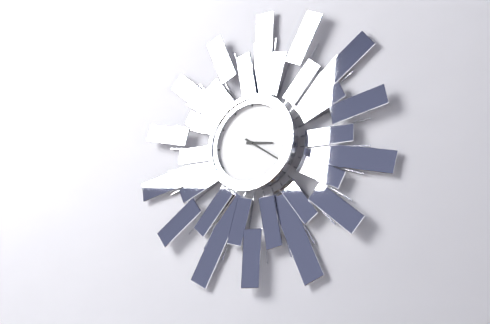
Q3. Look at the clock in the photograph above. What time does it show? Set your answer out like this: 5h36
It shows 3h21
